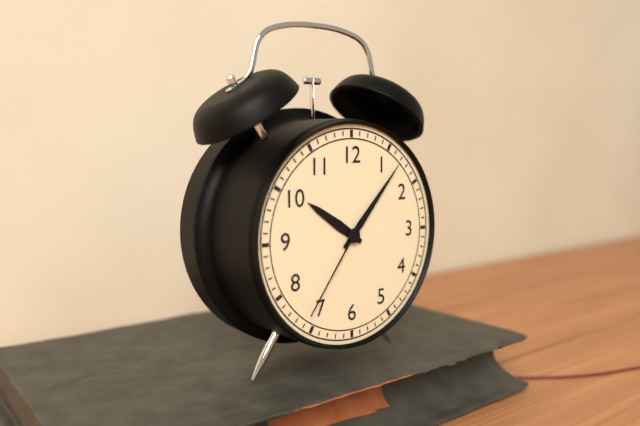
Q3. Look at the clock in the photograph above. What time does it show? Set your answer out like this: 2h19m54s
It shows 10h07m36s
